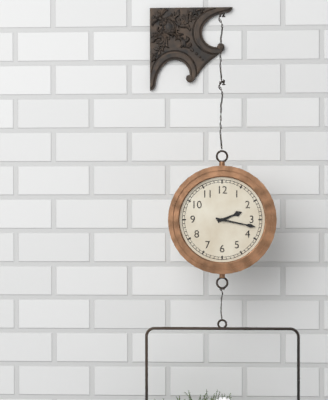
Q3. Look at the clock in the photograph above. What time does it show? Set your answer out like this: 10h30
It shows 2h17
